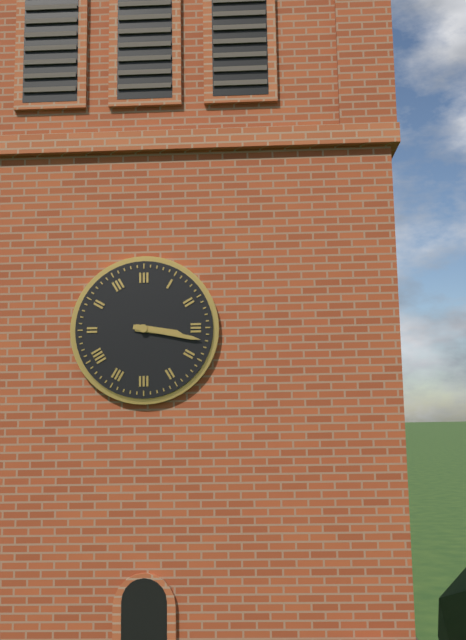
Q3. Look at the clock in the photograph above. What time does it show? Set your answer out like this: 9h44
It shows 3h17
